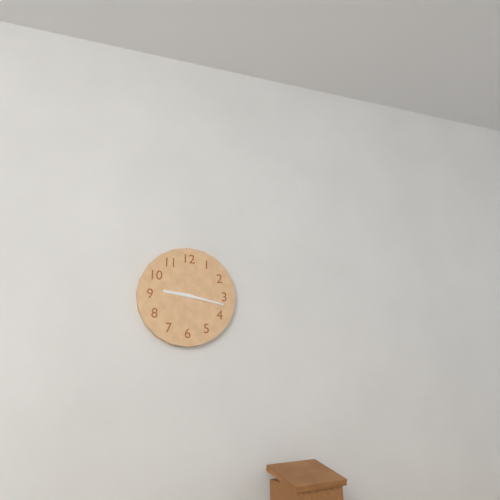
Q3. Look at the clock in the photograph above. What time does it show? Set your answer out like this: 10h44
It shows 9h17
